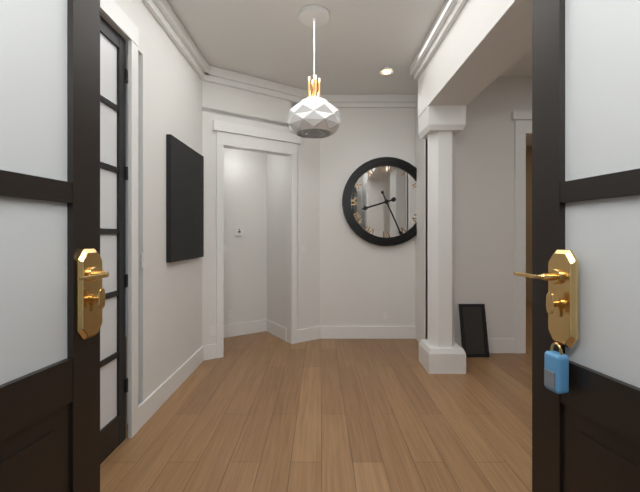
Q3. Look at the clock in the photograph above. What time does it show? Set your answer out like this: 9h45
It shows 8h26
